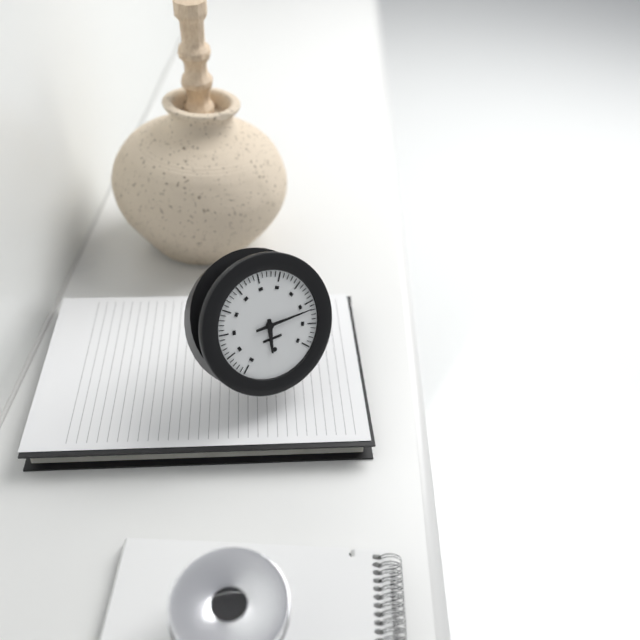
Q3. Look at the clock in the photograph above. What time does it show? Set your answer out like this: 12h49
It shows 6h15
